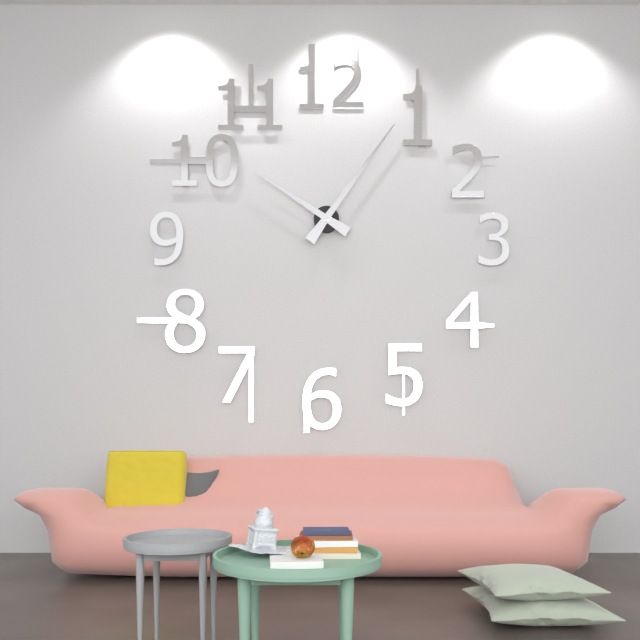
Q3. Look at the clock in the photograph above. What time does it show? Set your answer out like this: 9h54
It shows 10h06
